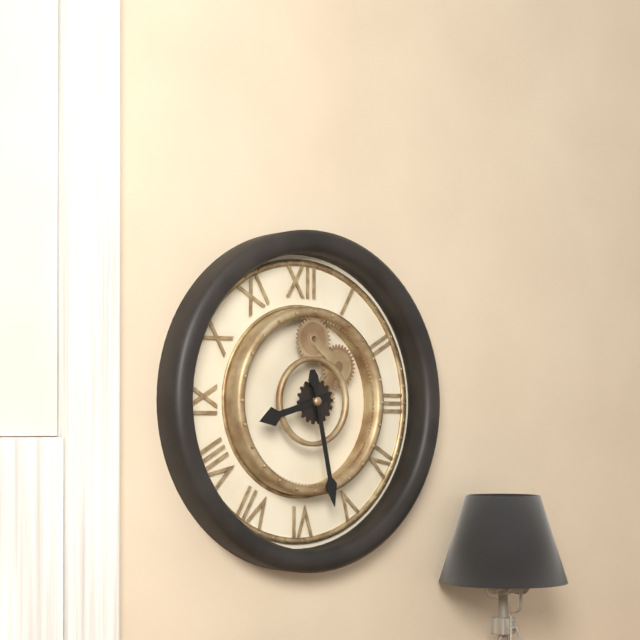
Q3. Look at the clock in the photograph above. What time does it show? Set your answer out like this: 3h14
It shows 8h28
